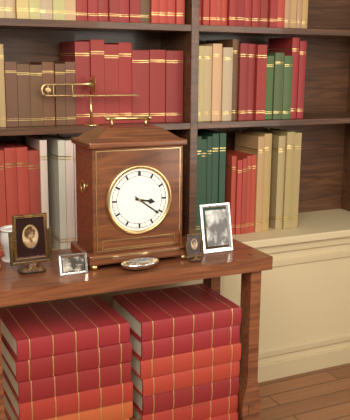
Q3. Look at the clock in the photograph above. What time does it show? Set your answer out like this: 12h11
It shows 3h21
